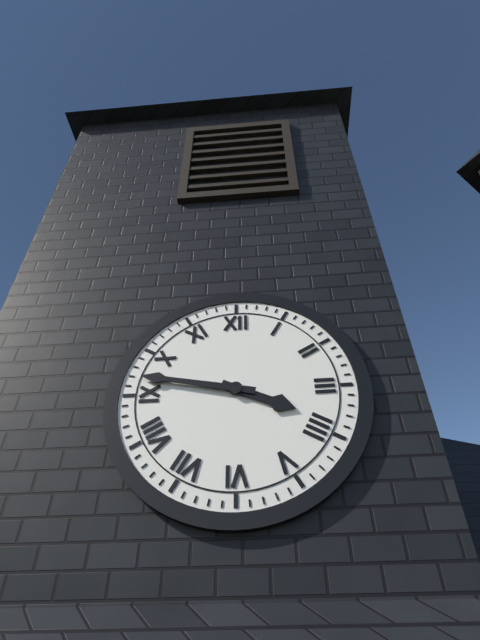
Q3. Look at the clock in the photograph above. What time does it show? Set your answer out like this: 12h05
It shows 3h47
